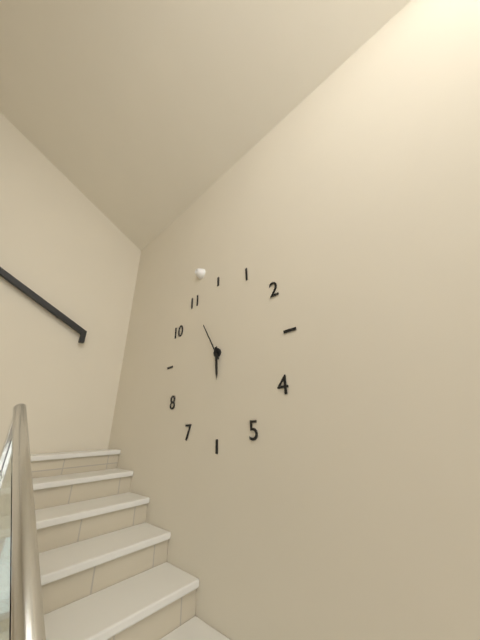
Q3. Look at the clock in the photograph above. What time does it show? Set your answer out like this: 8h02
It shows 5h55
